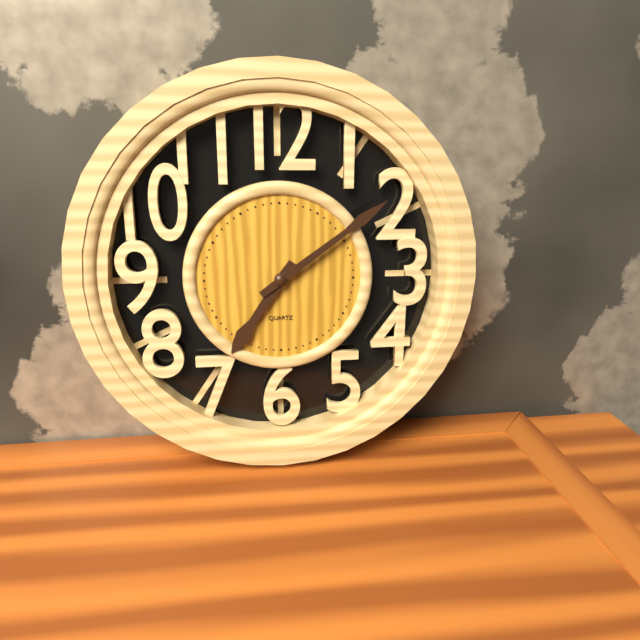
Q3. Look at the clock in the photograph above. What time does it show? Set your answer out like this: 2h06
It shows 7h09
